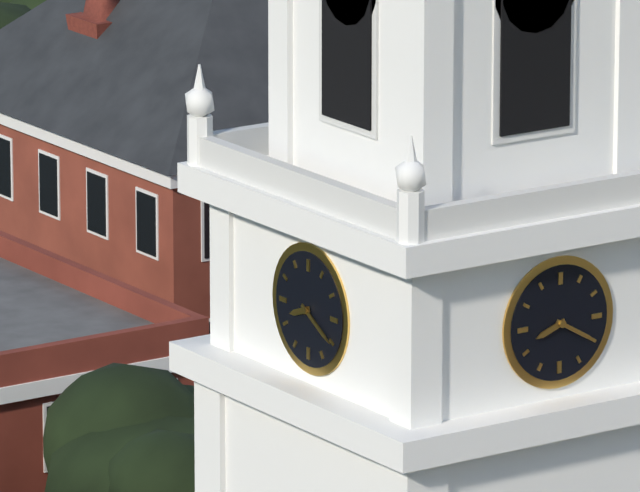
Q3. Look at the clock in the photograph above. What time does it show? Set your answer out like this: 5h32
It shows 8h20
